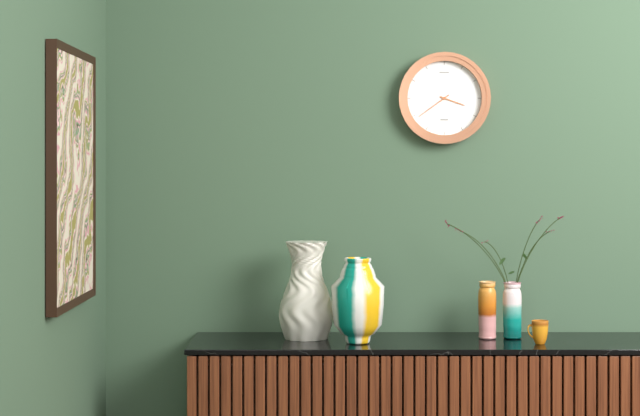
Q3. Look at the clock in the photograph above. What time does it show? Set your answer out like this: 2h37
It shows 3h39
